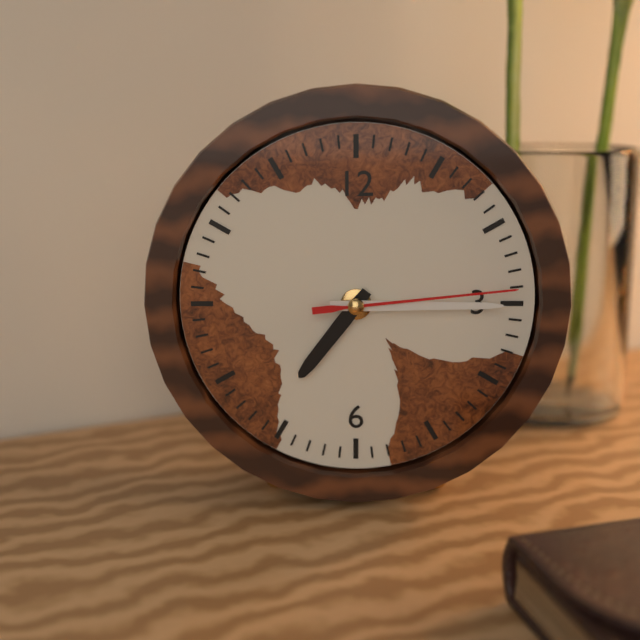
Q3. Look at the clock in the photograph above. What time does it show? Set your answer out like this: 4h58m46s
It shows 7h15m14s
